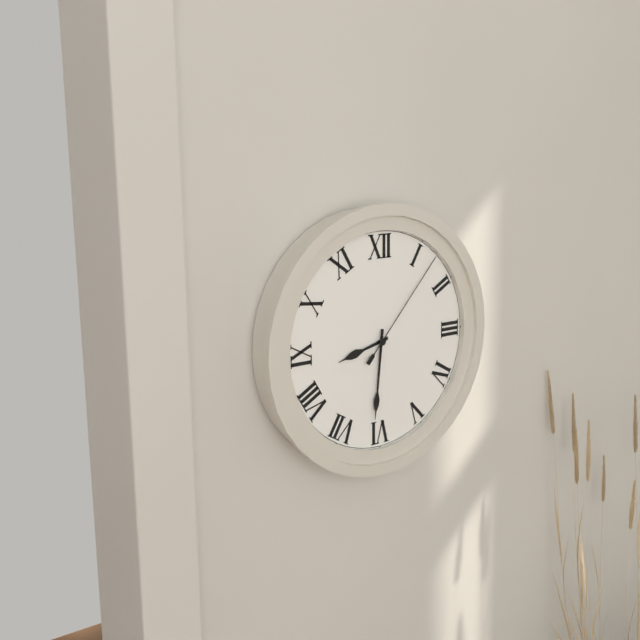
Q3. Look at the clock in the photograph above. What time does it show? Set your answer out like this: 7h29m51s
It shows 8h31m07s
